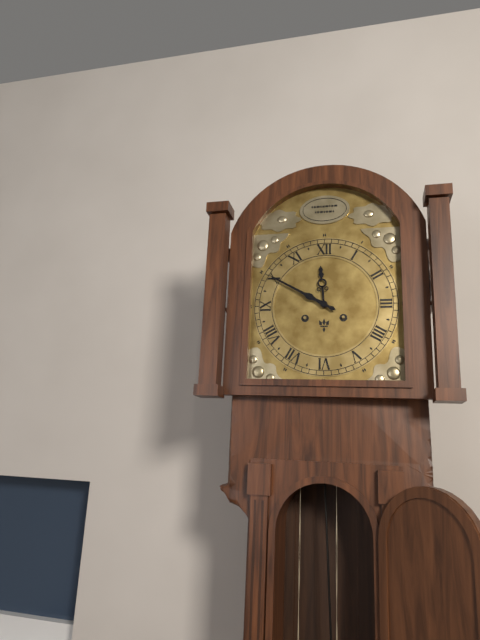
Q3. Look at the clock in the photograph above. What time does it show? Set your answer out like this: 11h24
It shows 11h50
